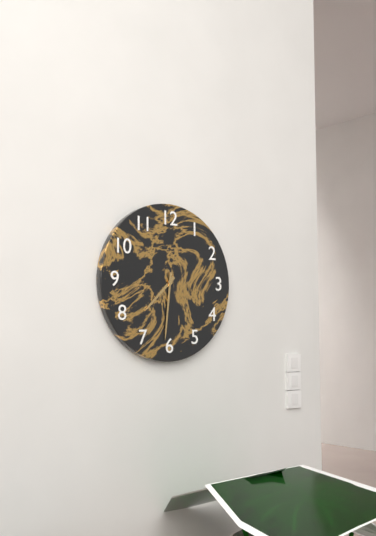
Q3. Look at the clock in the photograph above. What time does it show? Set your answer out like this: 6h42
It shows 7h31
